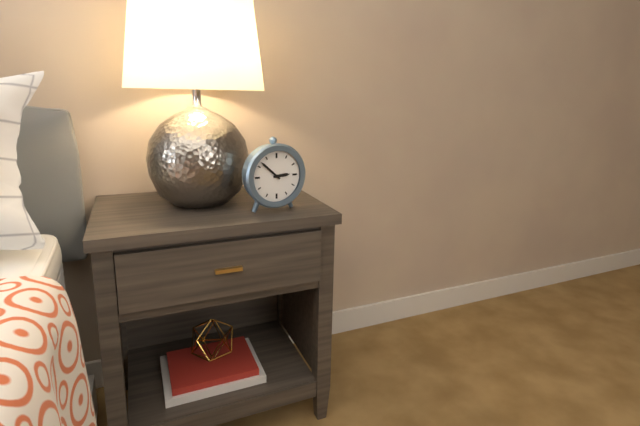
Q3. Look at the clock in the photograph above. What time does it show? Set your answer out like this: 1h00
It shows 2h52
